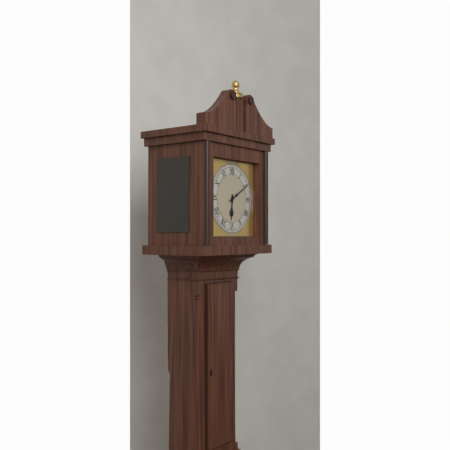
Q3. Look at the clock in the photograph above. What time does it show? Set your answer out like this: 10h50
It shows 6h10
